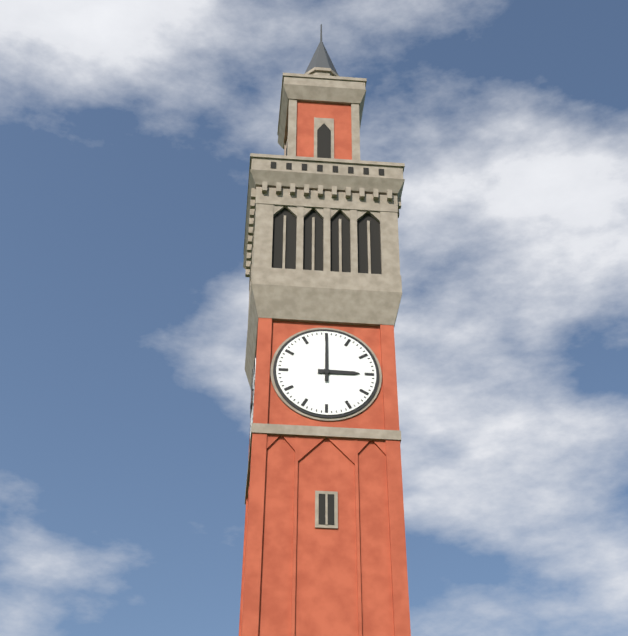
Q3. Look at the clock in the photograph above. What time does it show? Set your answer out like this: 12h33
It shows 3h00
